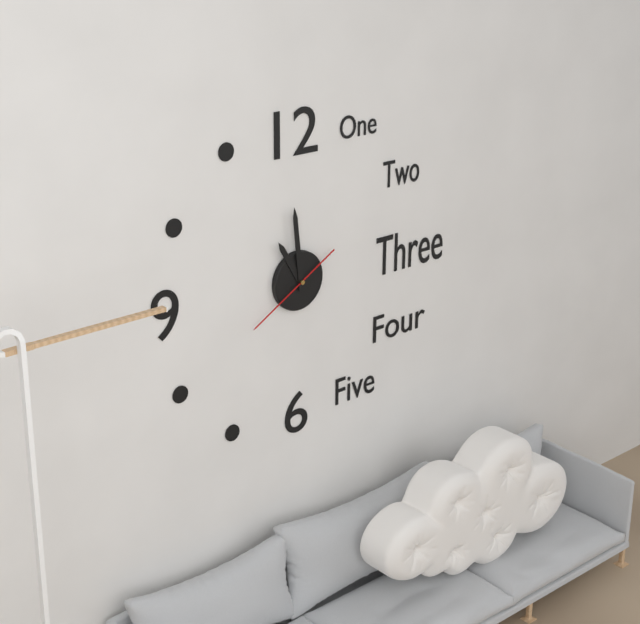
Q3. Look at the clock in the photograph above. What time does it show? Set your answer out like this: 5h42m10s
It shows 10h59m40s
